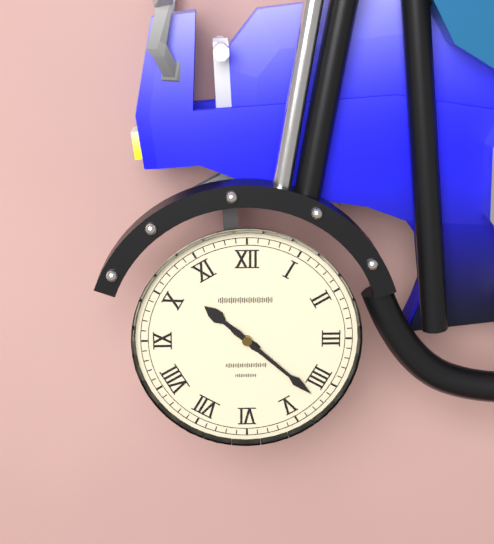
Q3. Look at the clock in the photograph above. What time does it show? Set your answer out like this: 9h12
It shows 10h22
